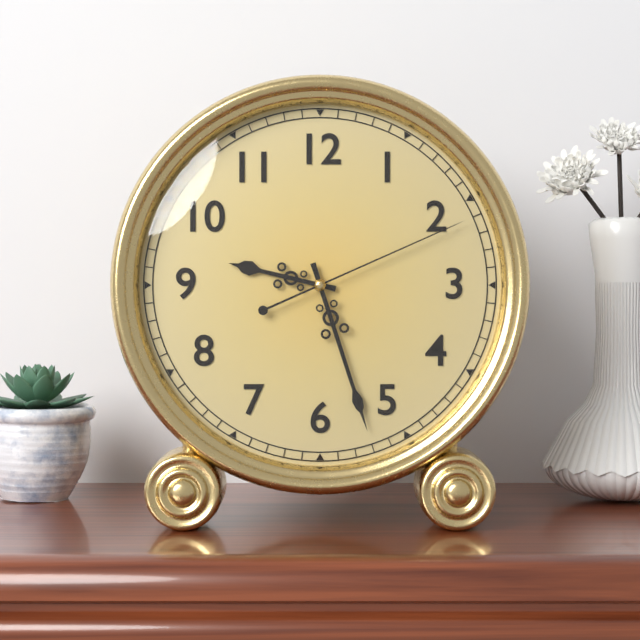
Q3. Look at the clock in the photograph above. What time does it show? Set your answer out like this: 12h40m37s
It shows 9h27m11s
